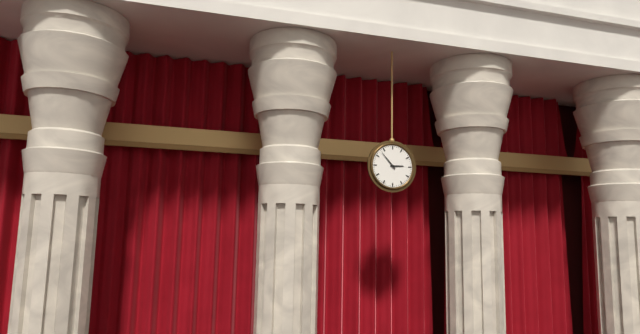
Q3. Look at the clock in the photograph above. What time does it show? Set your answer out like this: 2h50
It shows 2h53
